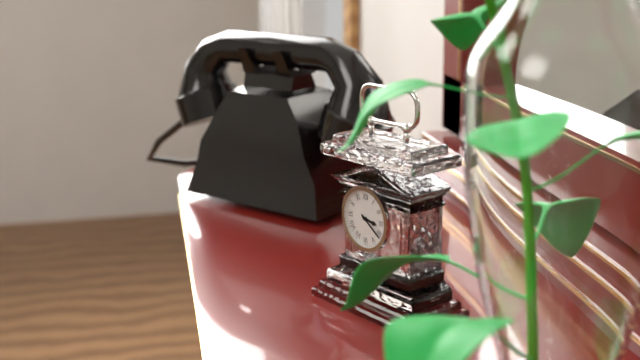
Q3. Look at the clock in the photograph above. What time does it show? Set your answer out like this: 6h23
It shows 3h21
